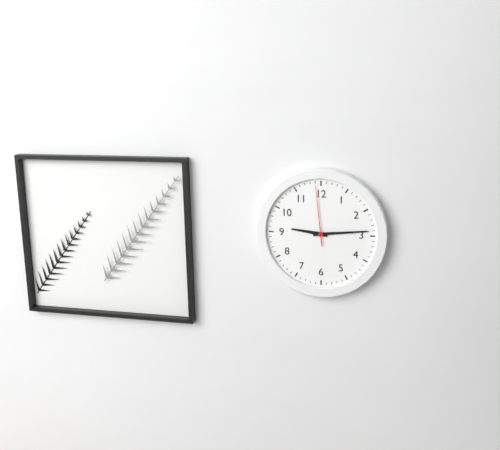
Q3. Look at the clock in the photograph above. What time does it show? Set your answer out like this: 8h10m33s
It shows 9h14m59s
